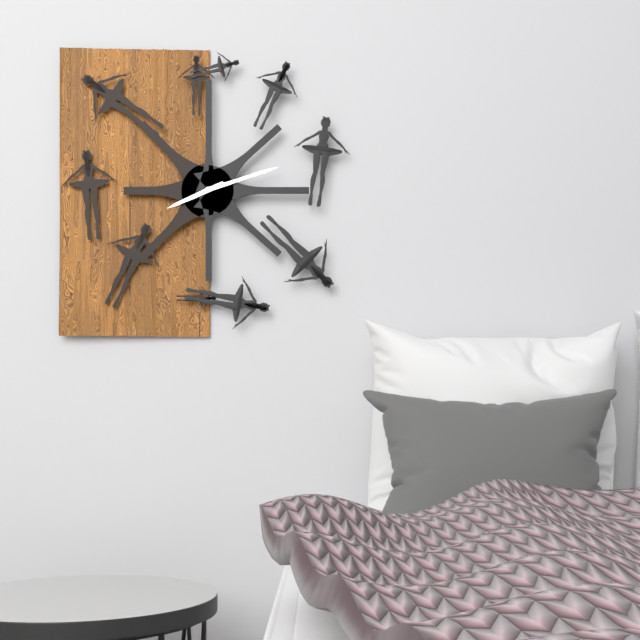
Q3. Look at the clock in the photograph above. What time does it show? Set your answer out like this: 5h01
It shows 8h12
